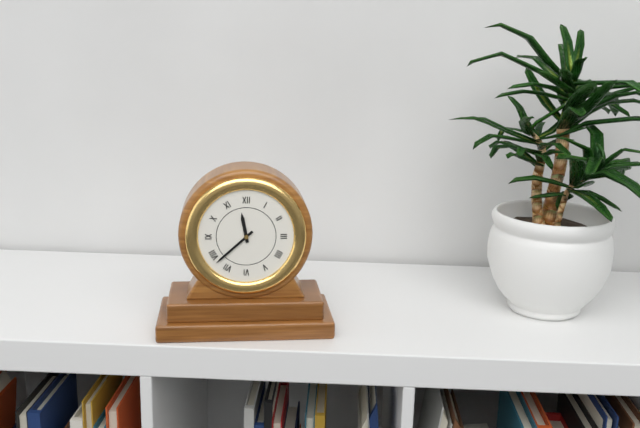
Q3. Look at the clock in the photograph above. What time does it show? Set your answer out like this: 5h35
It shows 11h38
